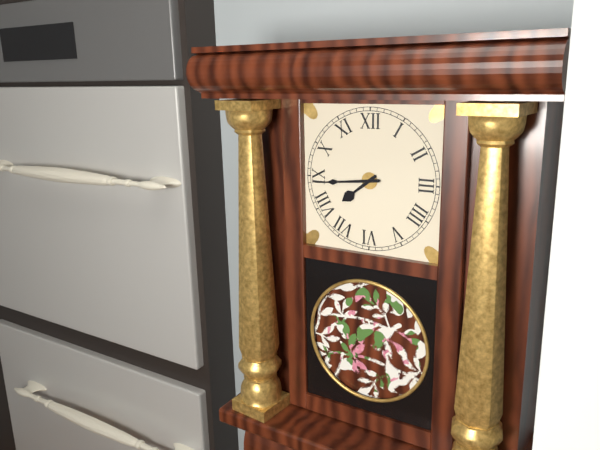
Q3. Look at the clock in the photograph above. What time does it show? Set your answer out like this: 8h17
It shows 7h44
